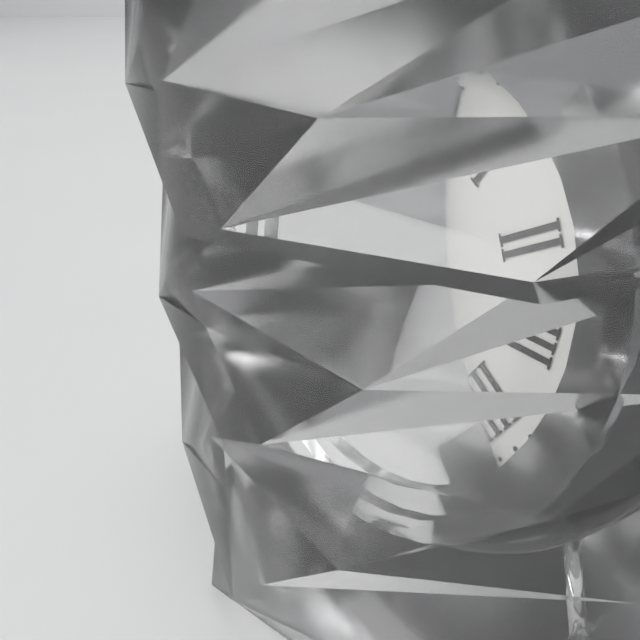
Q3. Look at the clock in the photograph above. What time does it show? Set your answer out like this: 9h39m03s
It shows 12h23m38s
